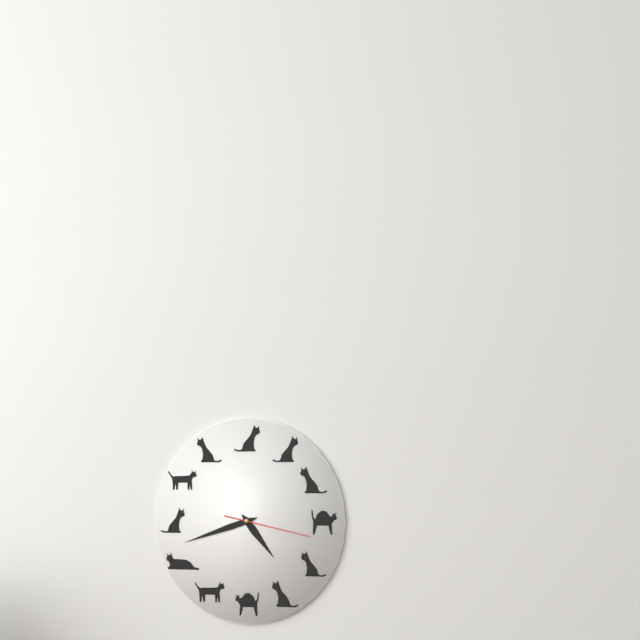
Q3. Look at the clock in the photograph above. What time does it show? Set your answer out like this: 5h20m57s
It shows 4h42m17s
